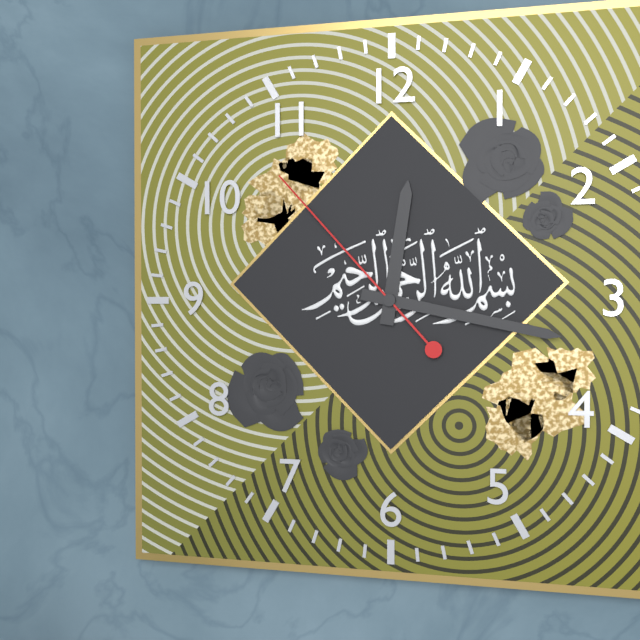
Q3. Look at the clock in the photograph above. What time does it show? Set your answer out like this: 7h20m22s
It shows 12h17m53s
